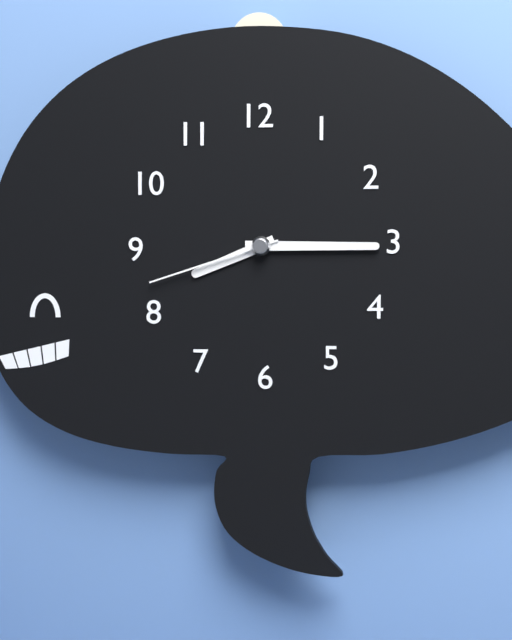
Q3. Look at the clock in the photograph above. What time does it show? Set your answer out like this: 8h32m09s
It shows 8h15m42s
